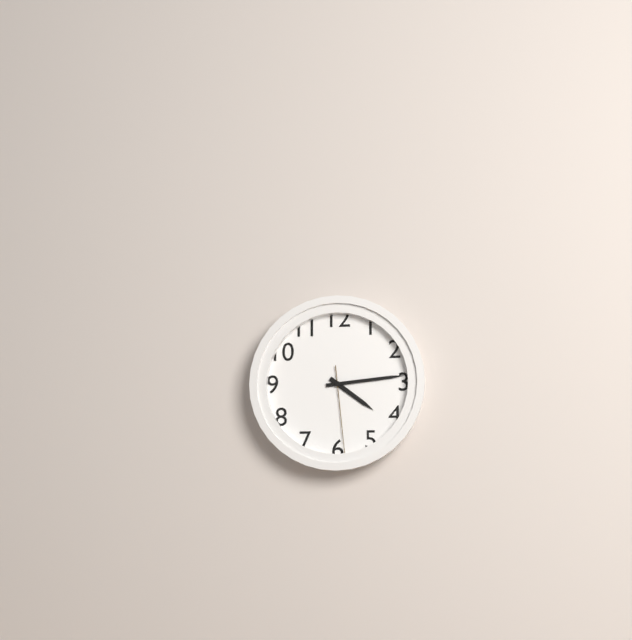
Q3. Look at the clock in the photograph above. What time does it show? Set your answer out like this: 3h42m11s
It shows 4h14m29s
